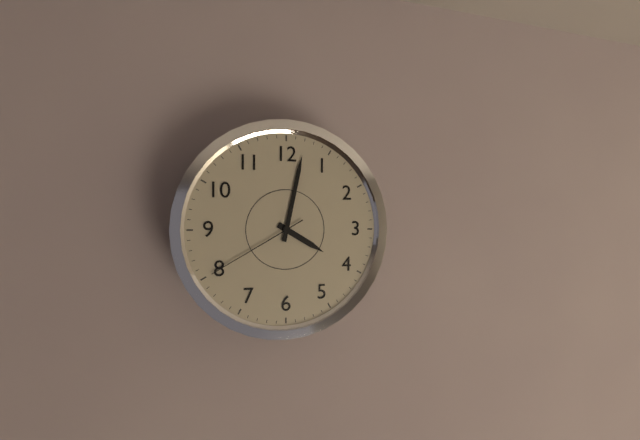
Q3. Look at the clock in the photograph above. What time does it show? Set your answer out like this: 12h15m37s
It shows 4h02m40s
